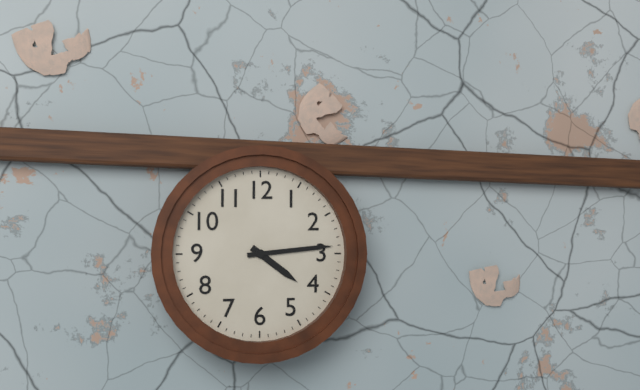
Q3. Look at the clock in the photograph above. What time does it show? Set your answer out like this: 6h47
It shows 4h14
